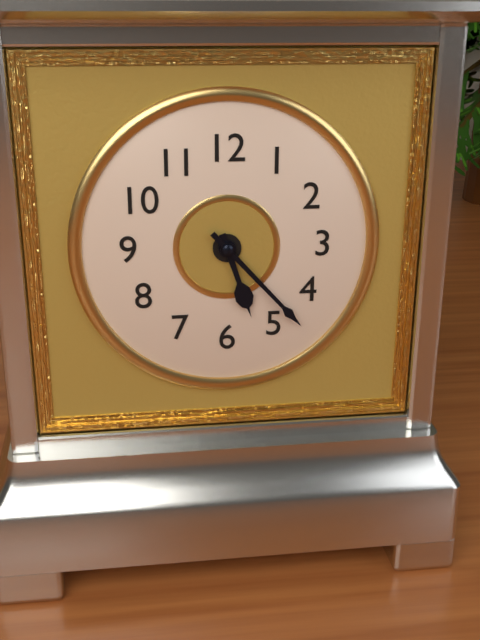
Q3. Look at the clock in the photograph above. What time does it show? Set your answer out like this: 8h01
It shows 5h23
